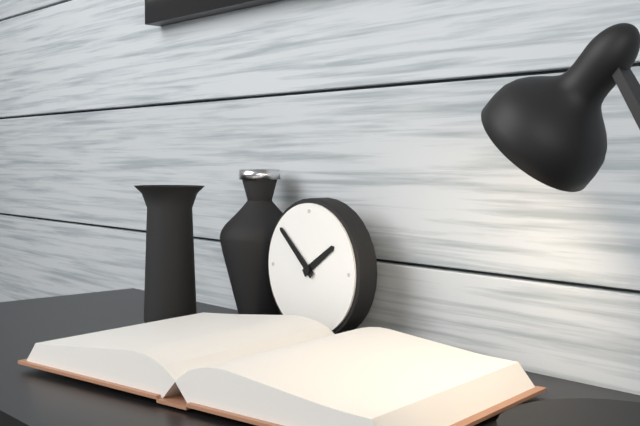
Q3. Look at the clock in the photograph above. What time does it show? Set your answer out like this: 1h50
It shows 1h52
